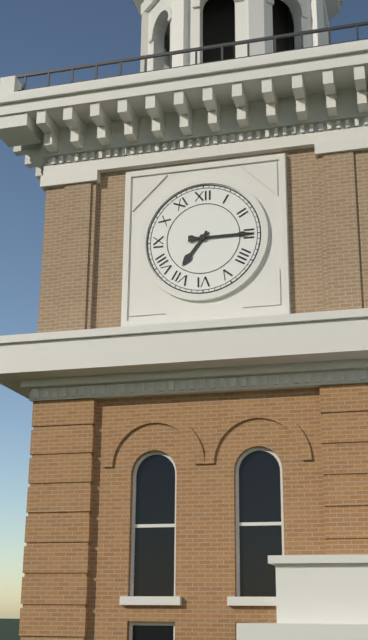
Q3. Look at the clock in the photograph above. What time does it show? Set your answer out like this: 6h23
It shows 7h15
